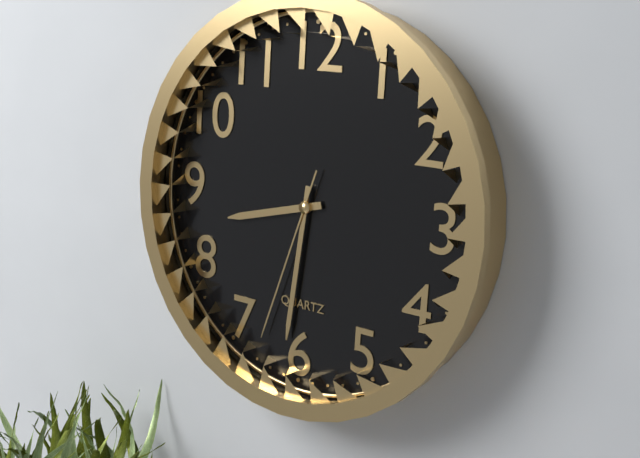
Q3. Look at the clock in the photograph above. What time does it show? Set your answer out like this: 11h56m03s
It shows 8h31m33s
